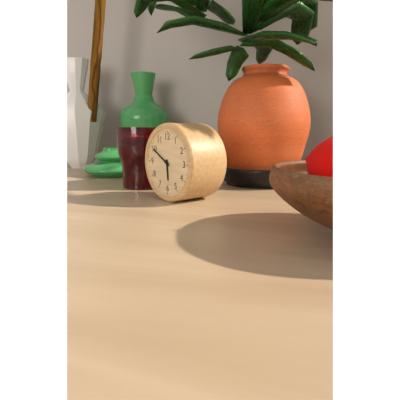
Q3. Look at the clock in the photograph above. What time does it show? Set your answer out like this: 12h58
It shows 5h50
